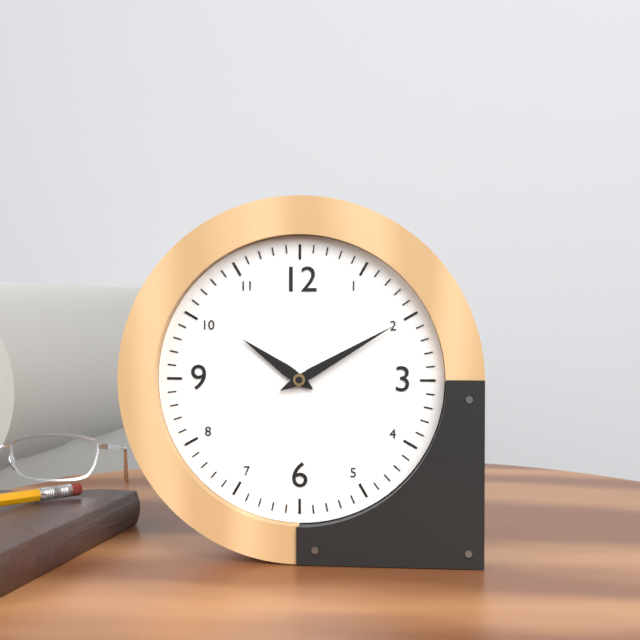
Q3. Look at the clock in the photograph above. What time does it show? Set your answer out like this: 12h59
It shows 10h10
